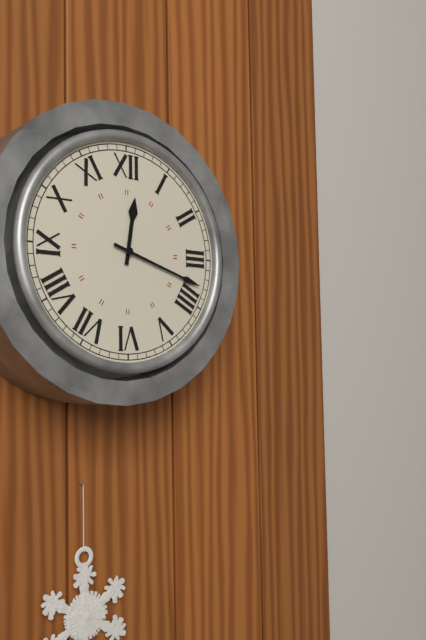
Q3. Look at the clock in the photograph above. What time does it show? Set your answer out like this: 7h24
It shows 12h18
